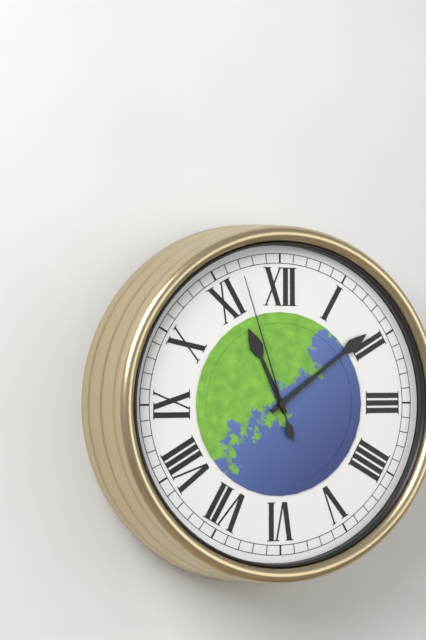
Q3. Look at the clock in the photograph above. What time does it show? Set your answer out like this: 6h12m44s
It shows 11h09m57s
